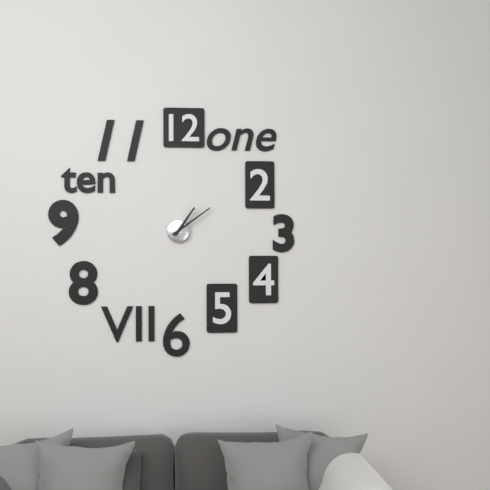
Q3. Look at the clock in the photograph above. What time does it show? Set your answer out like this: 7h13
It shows 1h09
